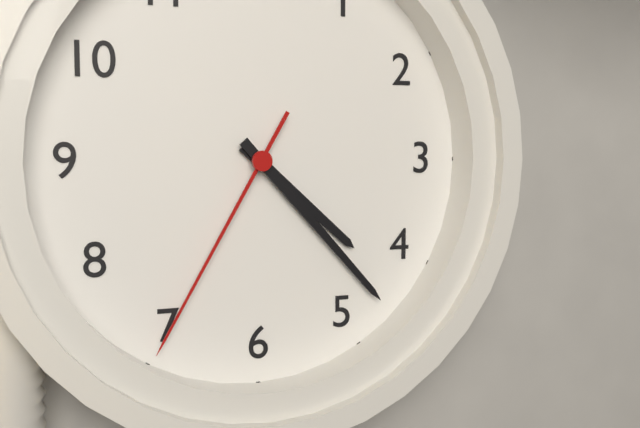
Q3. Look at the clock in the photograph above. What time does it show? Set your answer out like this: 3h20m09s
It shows 4h23m35s
